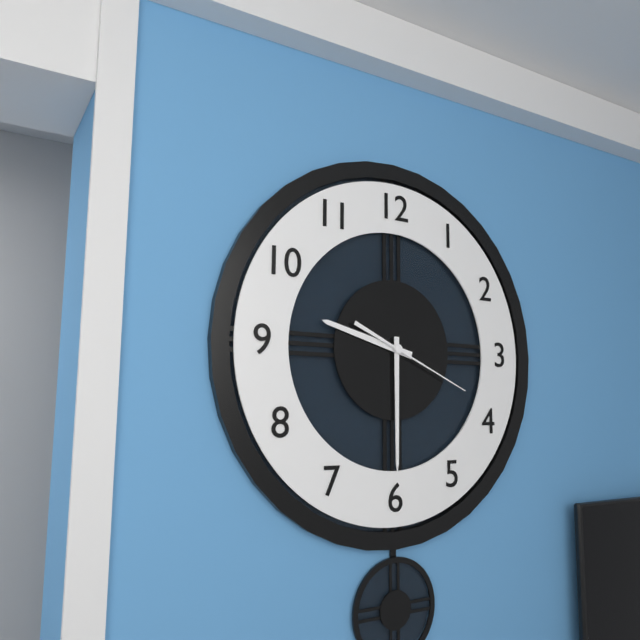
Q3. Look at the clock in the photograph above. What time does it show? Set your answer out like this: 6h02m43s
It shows 9h30m19s
